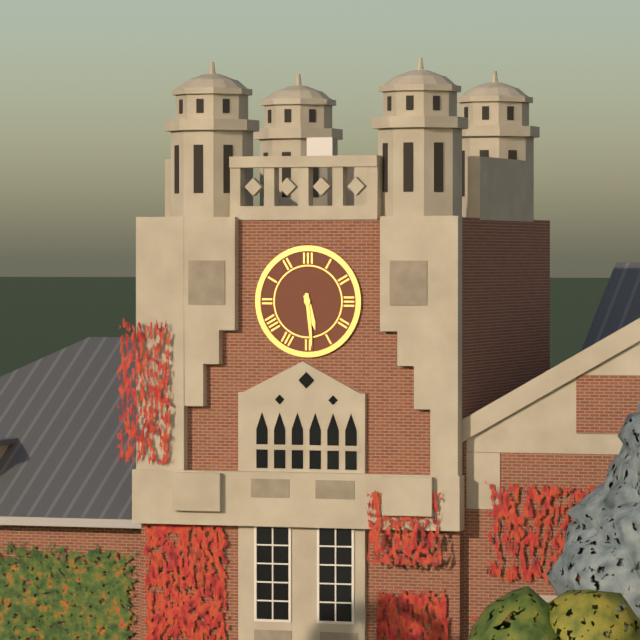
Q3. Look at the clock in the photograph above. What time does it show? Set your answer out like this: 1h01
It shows 5h29
